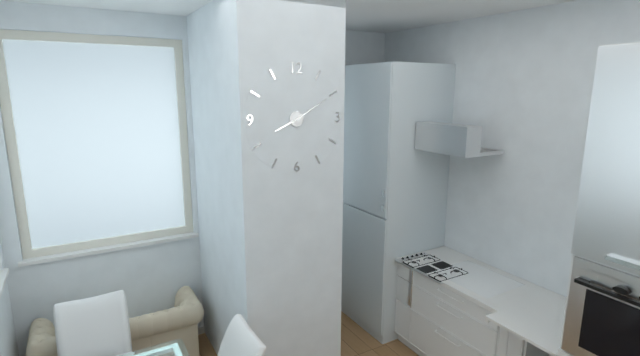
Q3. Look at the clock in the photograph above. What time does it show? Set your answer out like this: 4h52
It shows 8h10
